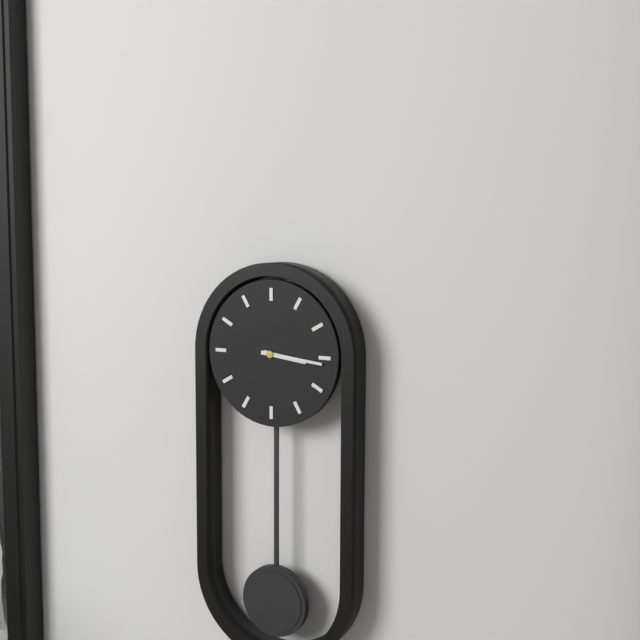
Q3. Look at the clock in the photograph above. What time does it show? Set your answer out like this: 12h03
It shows 3h16
